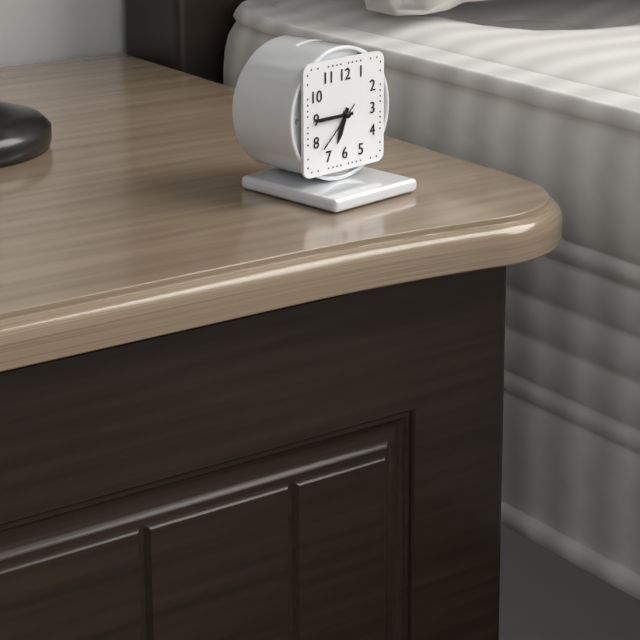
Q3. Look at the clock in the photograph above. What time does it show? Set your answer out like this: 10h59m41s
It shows 6h45m38s
